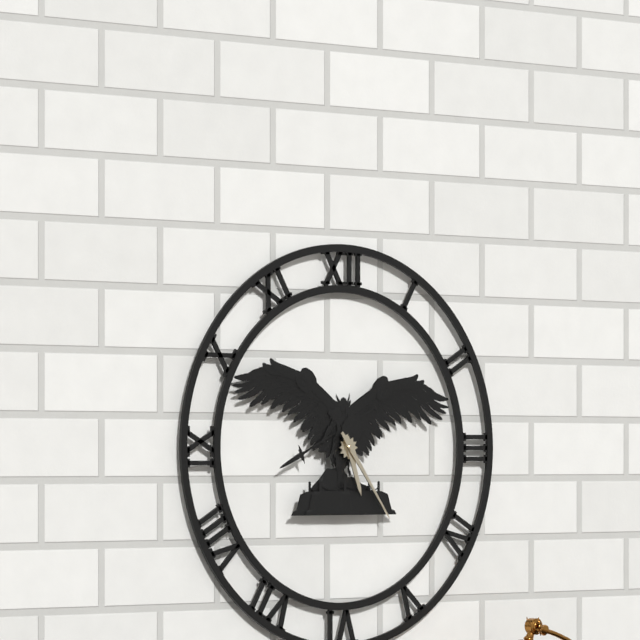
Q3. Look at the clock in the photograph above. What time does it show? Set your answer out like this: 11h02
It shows 5h24
